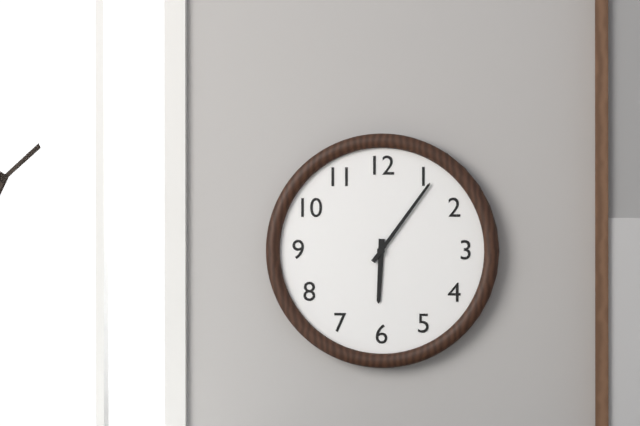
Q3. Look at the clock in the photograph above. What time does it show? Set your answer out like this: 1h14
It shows 6h06
